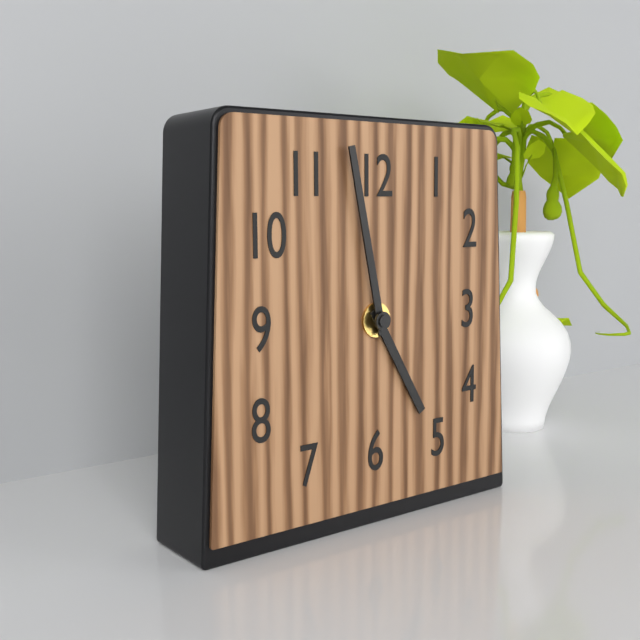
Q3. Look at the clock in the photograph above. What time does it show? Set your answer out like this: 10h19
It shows 4h58
